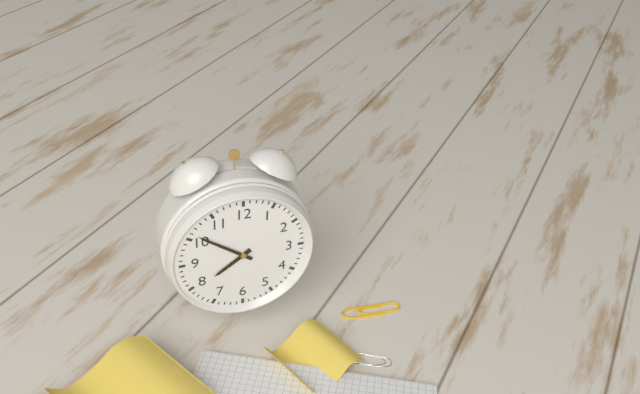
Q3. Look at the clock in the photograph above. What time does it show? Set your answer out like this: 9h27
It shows 7h51
